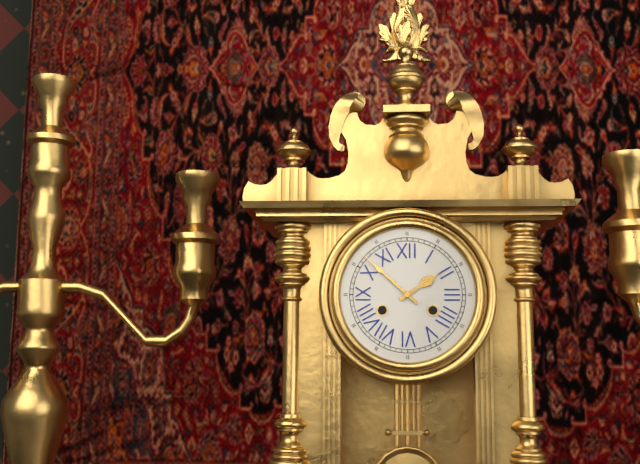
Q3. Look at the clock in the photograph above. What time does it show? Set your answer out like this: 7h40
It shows 1h52
